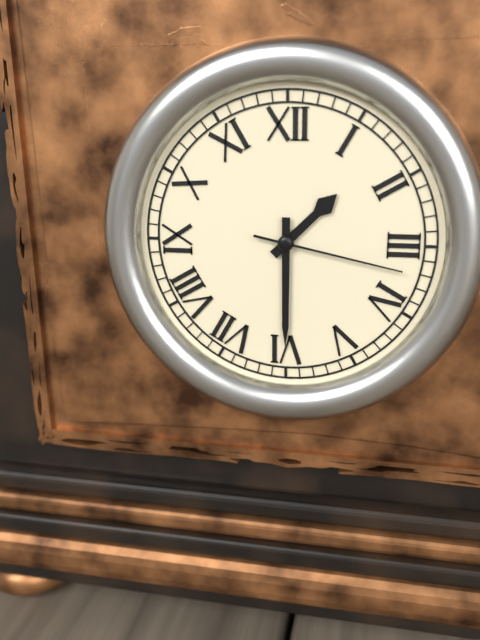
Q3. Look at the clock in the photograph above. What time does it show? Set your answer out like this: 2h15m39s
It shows 1h30m17s
